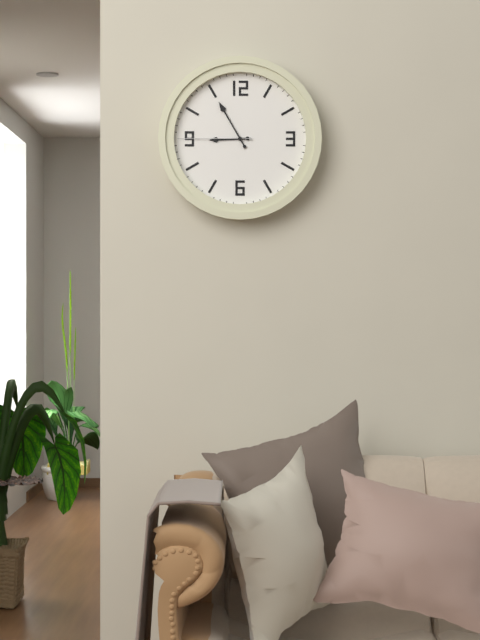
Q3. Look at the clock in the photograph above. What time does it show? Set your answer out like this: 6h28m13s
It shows 8h55m45s
